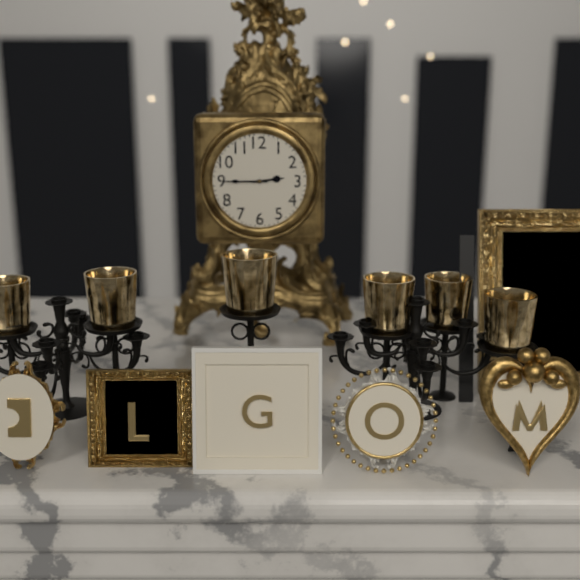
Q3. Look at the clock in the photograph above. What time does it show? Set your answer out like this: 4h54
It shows 2h45
